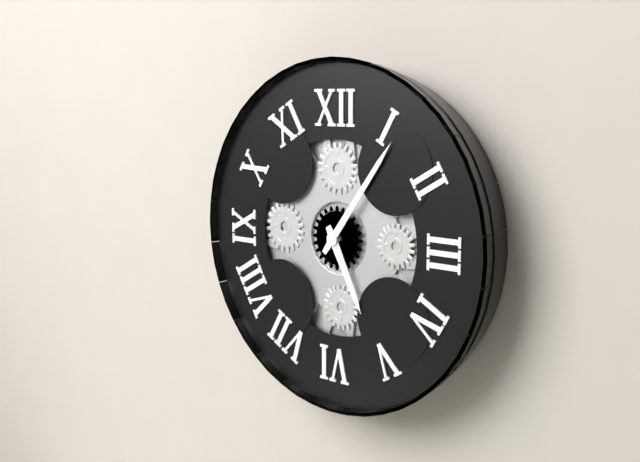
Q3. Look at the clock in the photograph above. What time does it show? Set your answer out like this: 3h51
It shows 5h06
